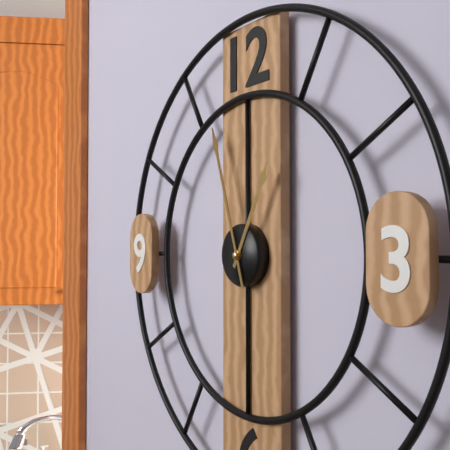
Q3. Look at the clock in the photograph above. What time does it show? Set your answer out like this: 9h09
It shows 12h57
